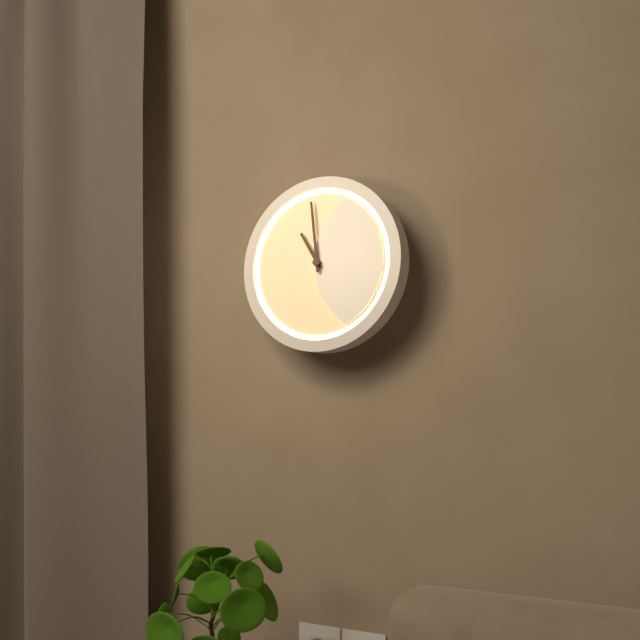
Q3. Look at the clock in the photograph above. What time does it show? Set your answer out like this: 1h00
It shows 10h59
